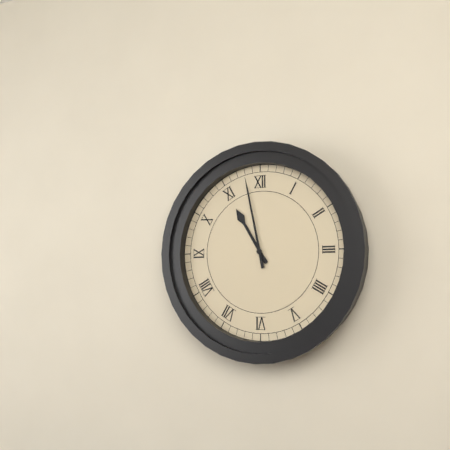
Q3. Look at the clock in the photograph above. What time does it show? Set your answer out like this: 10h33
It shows 10h58
